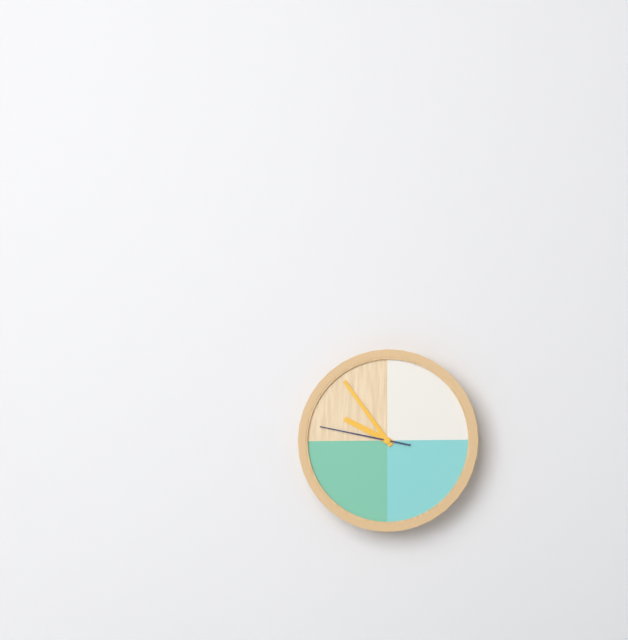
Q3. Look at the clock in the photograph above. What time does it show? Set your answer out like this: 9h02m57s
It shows 9h54m47s
